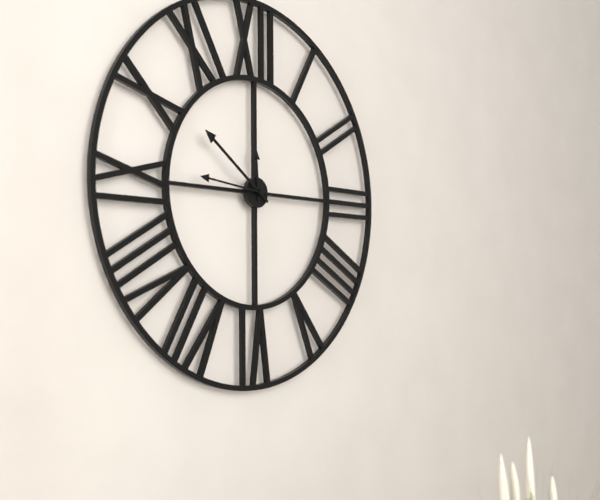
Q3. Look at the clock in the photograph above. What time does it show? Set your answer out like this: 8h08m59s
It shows 11h51m46s
